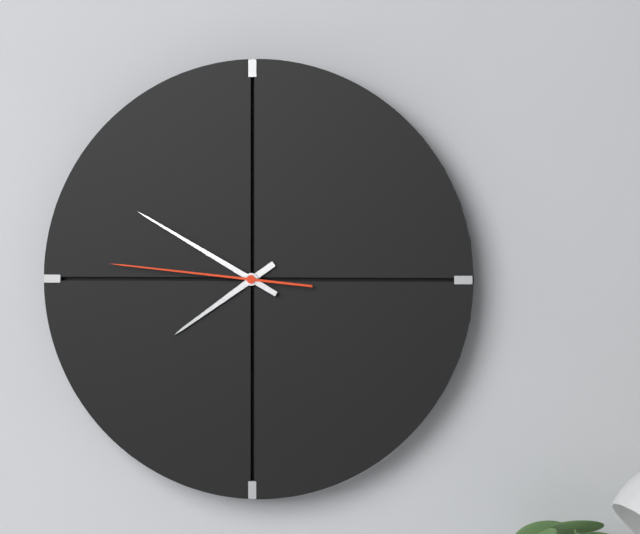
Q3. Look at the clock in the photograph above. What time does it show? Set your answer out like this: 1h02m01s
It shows 7h50m46s
